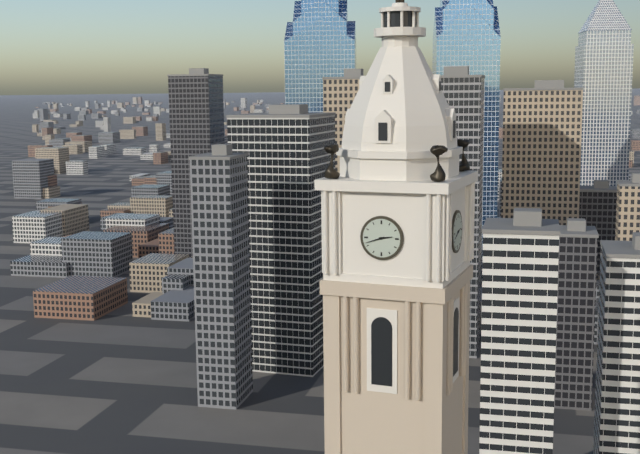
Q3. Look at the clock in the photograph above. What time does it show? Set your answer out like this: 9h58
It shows 2h42
